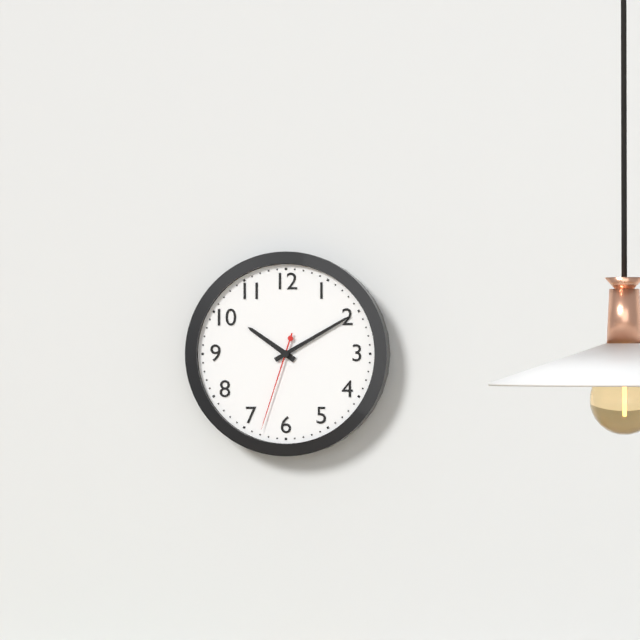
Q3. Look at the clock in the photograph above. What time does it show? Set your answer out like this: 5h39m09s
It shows 10h10m33s
